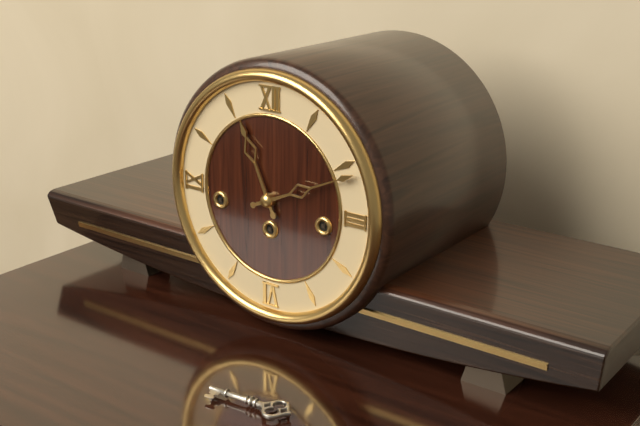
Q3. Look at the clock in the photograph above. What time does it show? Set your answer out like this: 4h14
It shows 11h11
